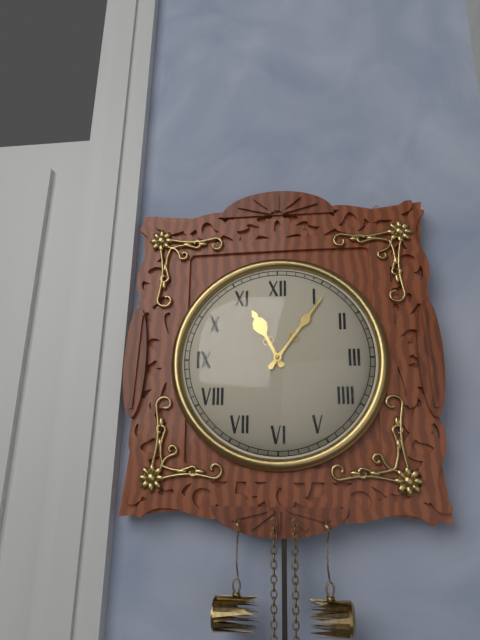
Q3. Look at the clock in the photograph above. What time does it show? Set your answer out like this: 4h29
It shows 11h06
